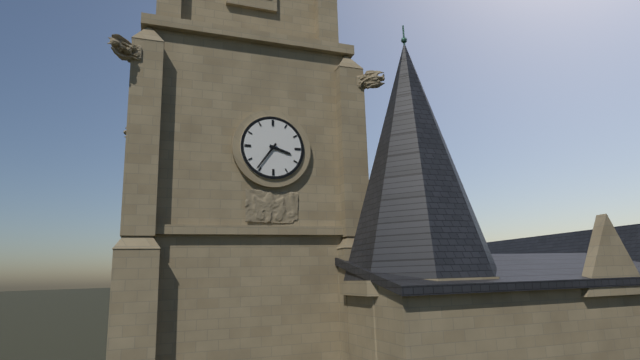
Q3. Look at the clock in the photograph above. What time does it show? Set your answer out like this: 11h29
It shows 3h36
